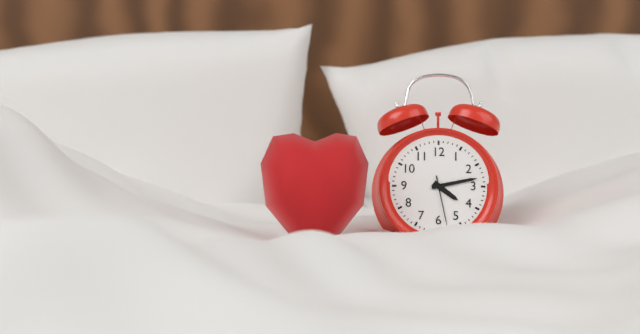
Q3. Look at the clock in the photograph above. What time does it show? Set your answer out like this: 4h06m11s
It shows 4h13m28s
